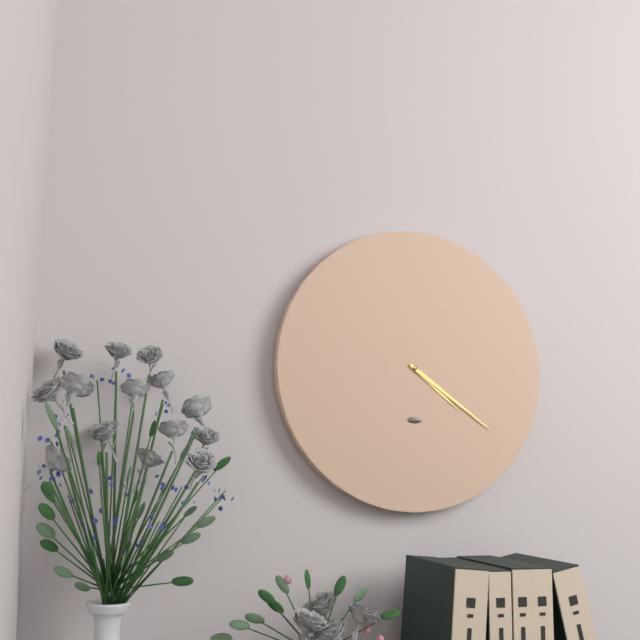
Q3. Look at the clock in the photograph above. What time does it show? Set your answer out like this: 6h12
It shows 4h21
